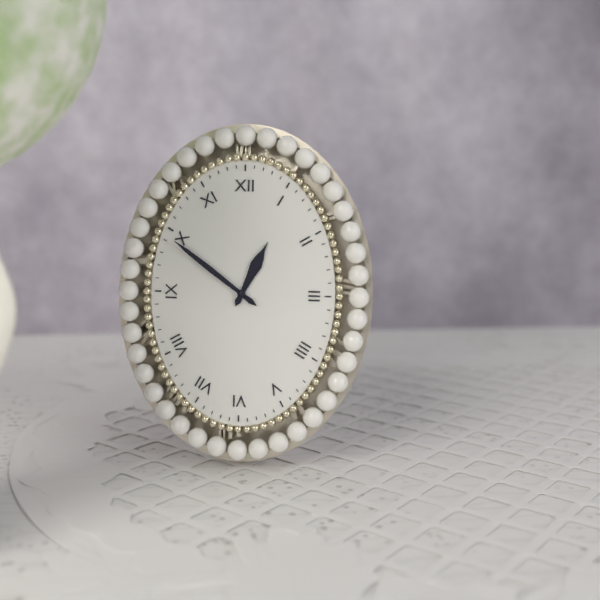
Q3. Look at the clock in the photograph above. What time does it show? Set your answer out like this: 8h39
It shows 12h51
